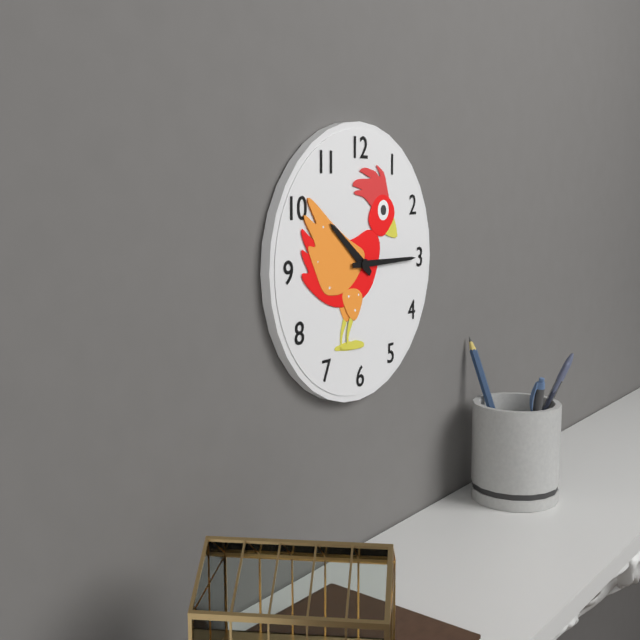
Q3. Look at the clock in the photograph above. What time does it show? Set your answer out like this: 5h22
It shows 10h15
